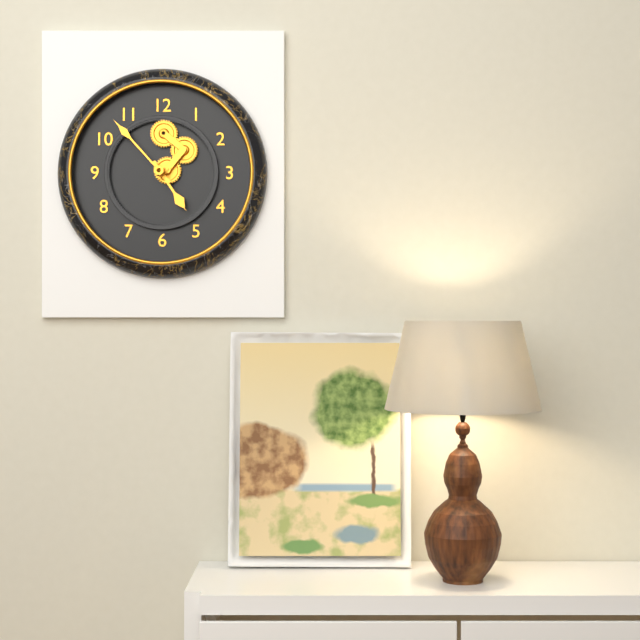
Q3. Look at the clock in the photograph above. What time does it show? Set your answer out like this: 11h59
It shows 4h53
